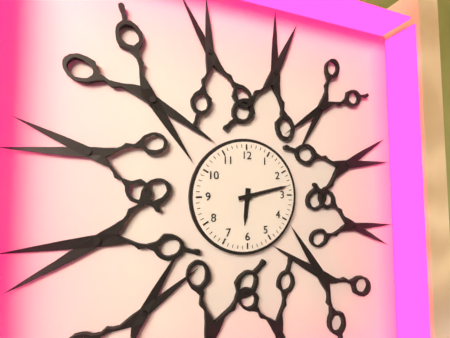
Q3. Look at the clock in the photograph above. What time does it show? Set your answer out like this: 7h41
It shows 6h13
